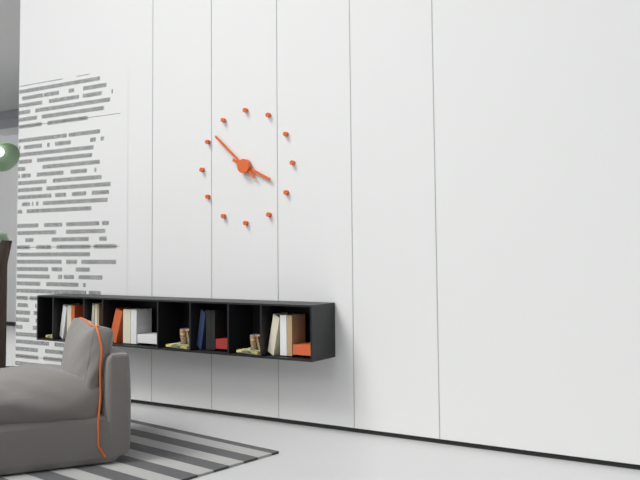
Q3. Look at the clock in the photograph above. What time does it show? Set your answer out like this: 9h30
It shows 3h52
